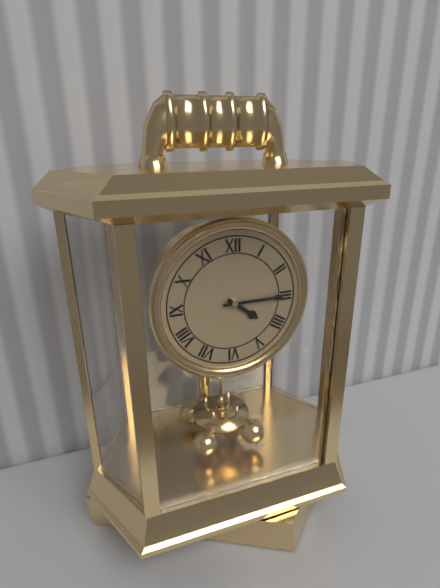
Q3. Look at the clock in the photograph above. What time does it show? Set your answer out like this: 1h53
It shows 4h15
